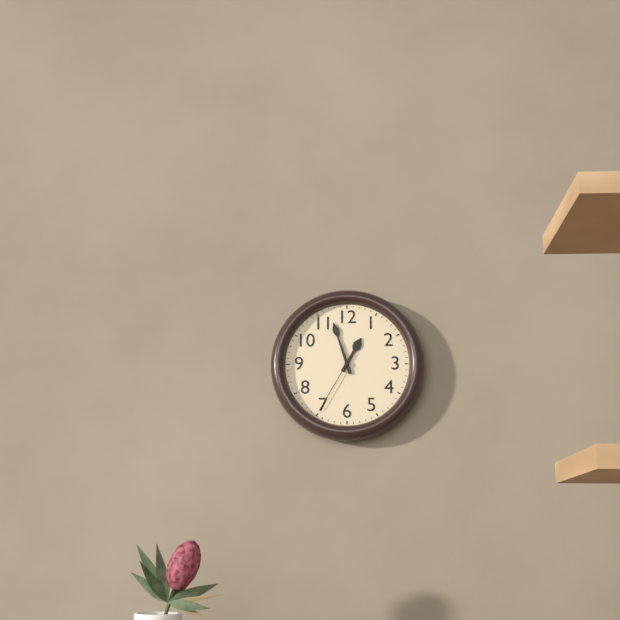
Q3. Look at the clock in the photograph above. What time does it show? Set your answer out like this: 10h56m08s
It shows 12h57m35s
